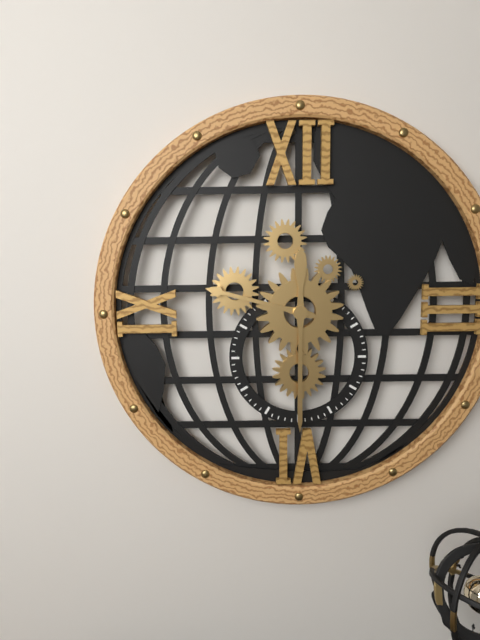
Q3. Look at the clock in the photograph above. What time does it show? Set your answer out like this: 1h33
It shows 9h30
